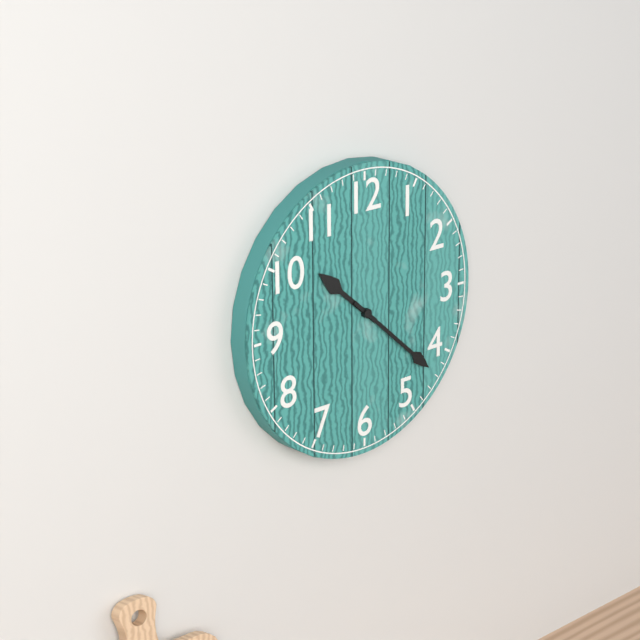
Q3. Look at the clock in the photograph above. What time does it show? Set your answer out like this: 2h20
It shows 10h22
